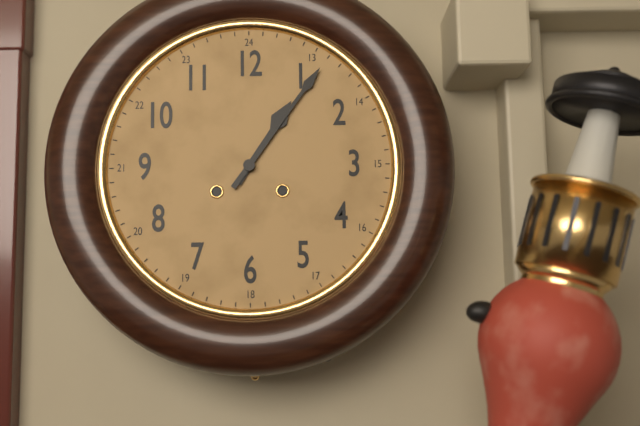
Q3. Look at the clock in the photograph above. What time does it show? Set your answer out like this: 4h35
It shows 1h06
